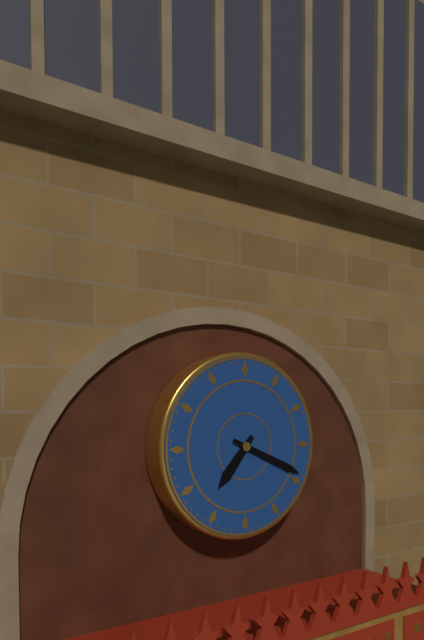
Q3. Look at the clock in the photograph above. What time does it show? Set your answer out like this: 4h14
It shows 7h19
